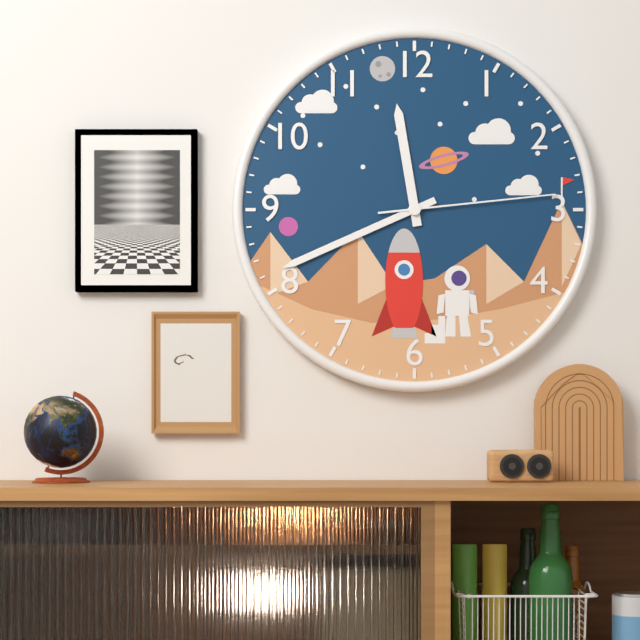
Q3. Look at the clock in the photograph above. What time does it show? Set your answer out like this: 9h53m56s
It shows 11h41m14s
